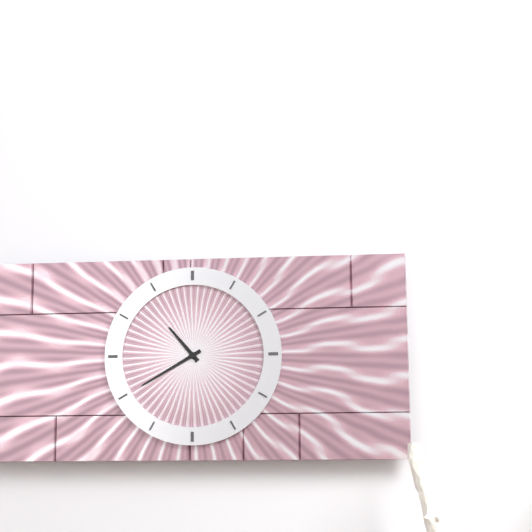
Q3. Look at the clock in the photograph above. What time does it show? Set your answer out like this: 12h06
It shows 10h40
